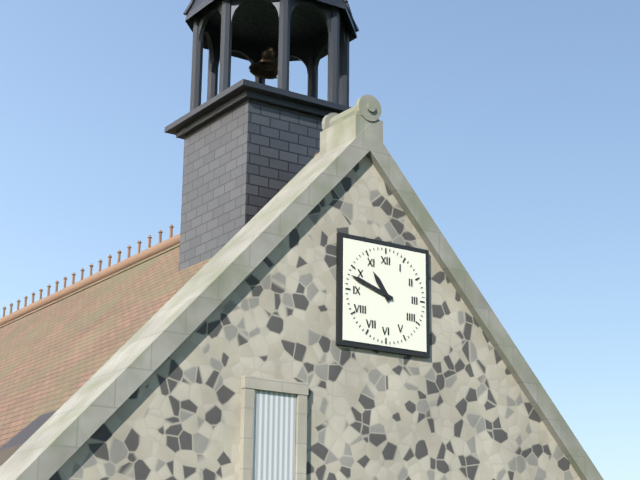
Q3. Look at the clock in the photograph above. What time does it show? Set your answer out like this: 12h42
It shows 10h48
